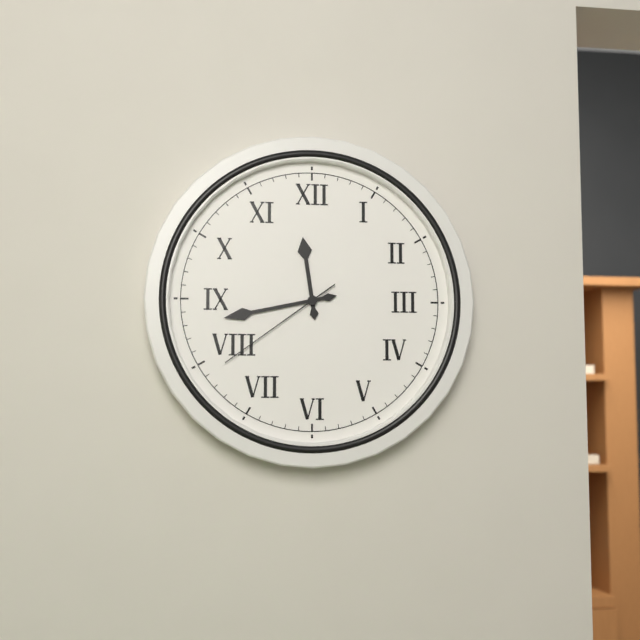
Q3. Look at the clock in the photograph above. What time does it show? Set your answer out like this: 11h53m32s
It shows 11h43m39s
